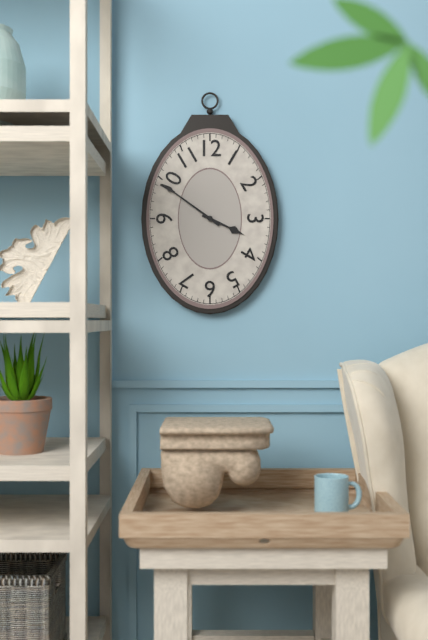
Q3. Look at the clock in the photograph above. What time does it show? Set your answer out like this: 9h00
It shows 3h51
